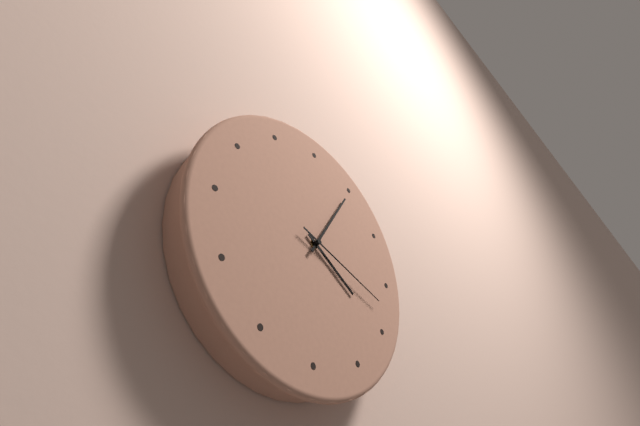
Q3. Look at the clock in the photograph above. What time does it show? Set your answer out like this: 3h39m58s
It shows 4h05m18s
